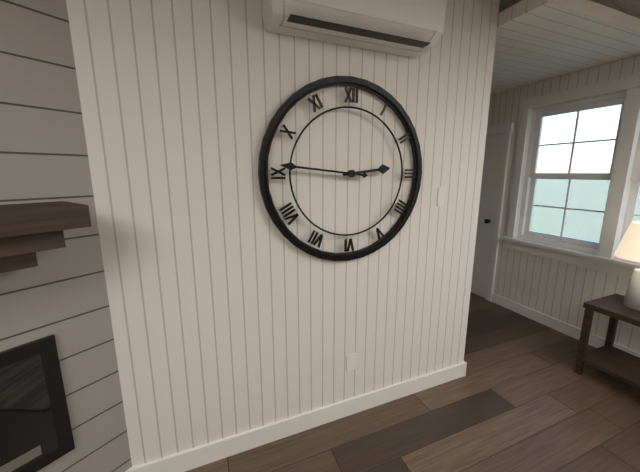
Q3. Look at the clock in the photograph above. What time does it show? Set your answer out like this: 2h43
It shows 2h46
